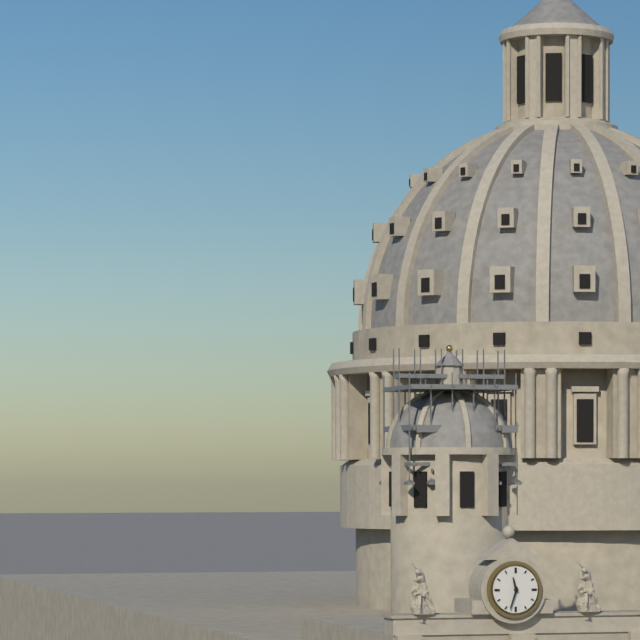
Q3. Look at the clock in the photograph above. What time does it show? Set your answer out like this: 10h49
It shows 11h33
